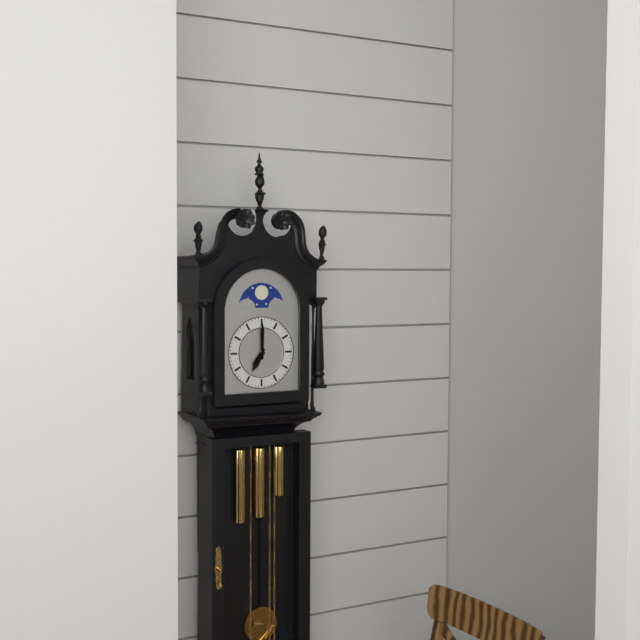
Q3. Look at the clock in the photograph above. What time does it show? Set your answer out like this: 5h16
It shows 7h00
